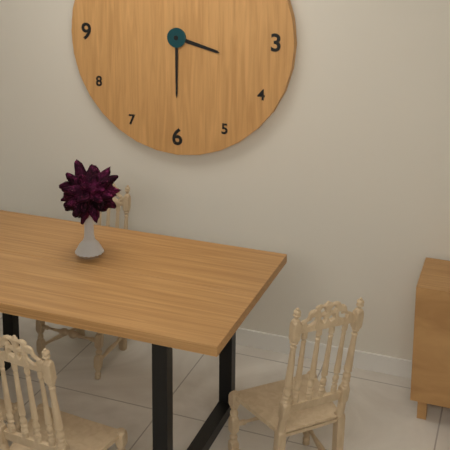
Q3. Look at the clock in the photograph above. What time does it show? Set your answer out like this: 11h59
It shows 3h30
